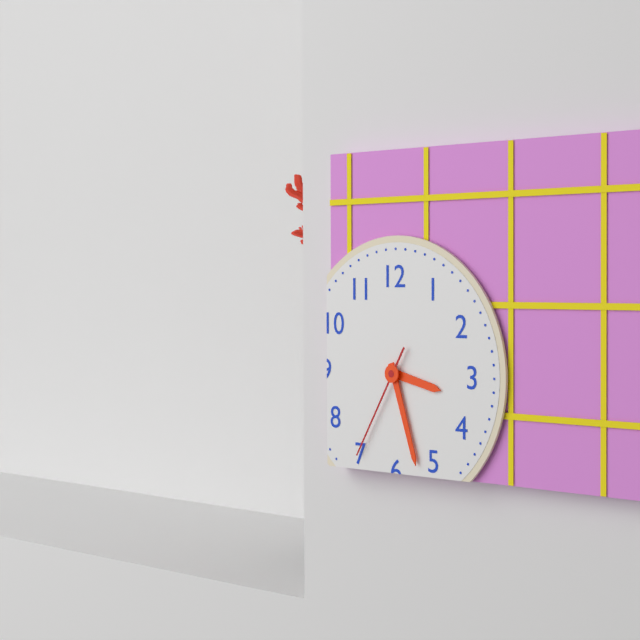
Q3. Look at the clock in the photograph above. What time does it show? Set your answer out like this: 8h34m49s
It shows 3h27m35s
